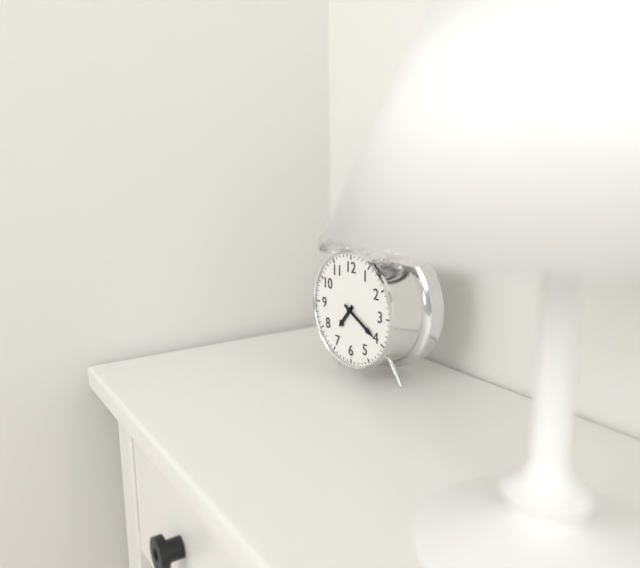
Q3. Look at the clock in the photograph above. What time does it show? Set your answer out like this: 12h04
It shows 7h20
